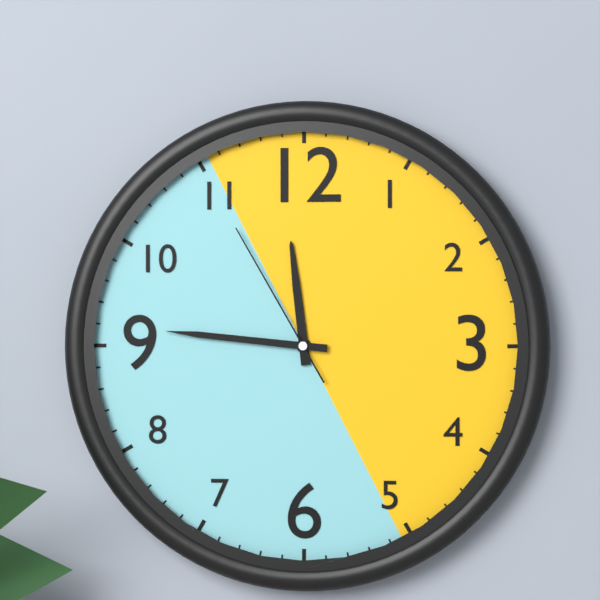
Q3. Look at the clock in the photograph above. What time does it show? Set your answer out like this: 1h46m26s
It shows 11h46m55s
